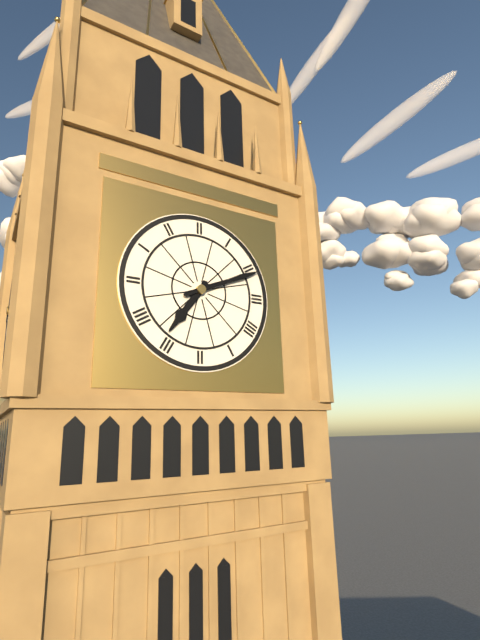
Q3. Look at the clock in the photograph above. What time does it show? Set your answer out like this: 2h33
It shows 7h11
